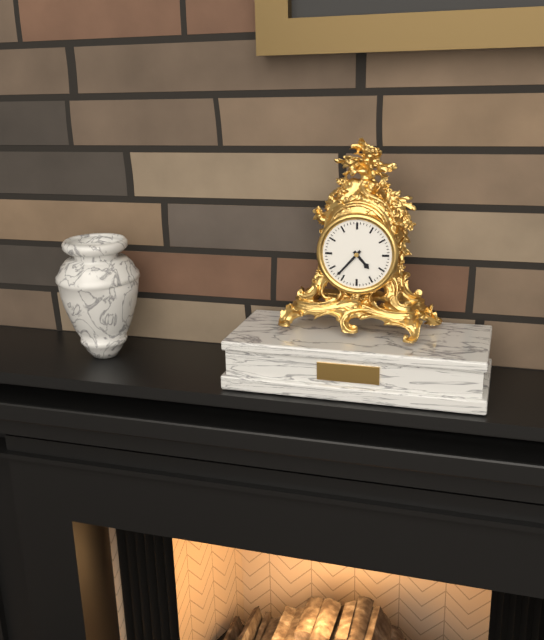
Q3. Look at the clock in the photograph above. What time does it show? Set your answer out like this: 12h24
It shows 4h37
